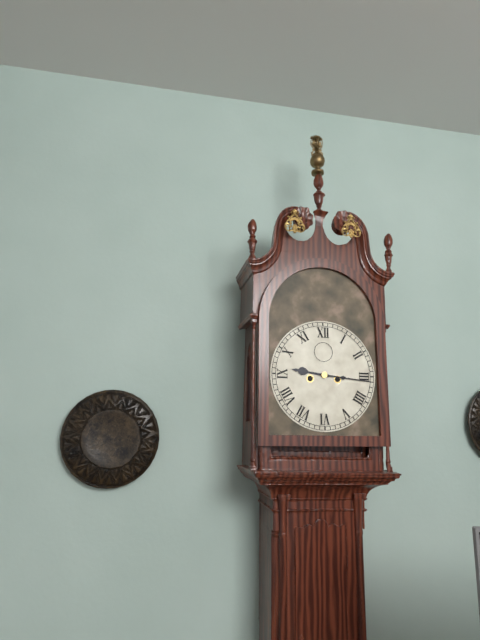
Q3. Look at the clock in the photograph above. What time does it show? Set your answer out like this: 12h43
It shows 9h16
